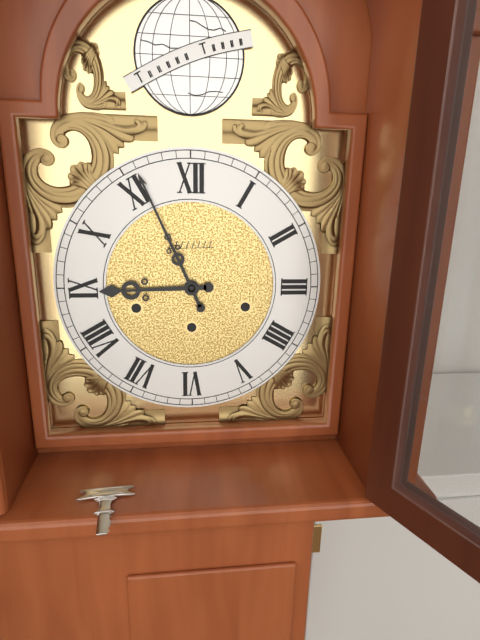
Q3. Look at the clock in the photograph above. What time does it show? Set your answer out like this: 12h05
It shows 8h56
